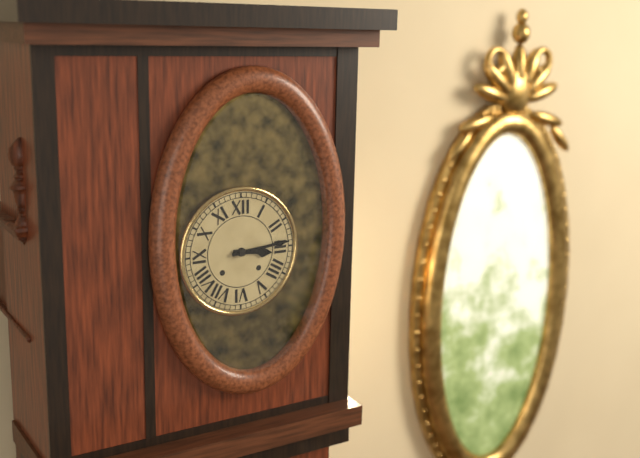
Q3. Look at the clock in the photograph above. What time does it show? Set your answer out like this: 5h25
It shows 3h14
